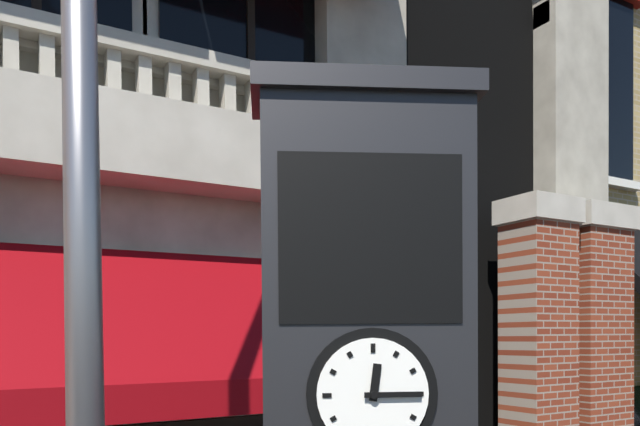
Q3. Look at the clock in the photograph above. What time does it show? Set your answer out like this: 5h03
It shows 12h15
